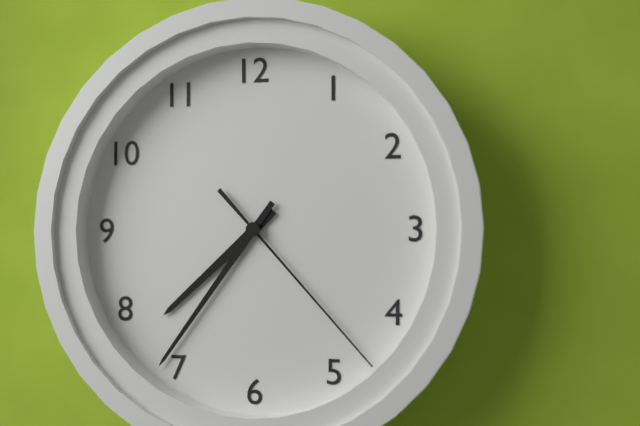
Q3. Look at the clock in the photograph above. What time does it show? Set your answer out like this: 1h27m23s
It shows 7h36m23s
